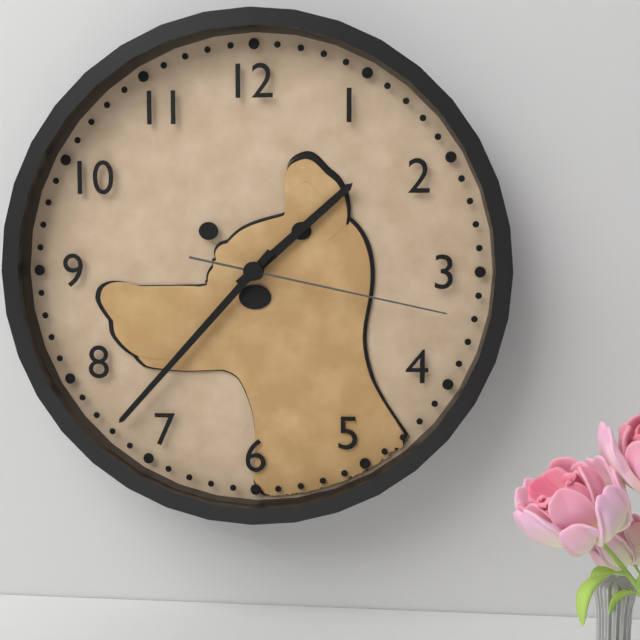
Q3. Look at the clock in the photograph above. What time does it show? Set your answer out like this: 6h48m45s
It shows 1h37m17s
